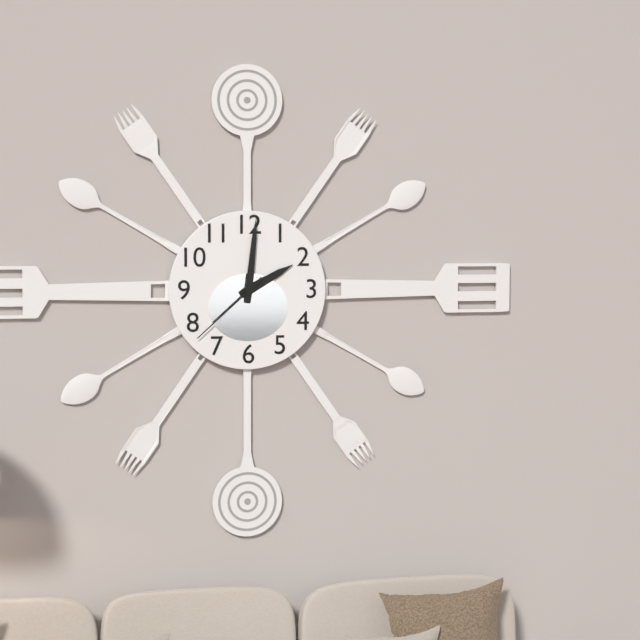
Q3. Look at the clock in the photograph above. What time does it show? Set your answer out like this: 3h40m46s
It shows 2h01m38s
